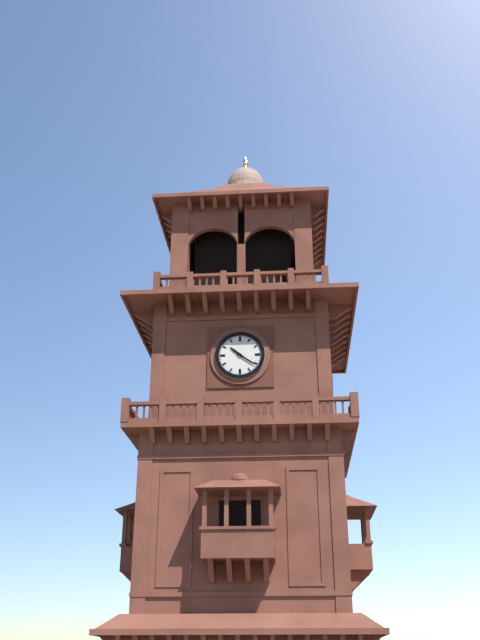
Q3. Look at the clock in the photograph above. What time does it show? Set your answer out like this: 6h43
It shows 10h21
